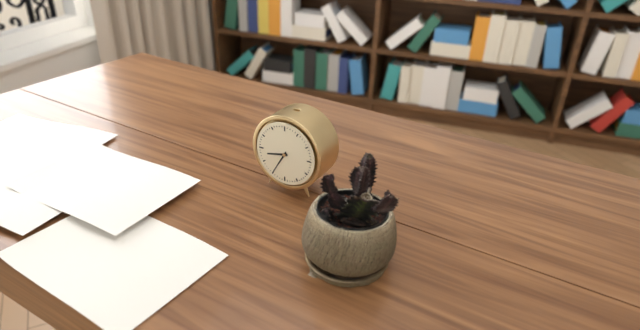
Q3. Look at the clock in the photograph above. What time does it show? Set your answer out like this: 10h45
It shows 8h35
